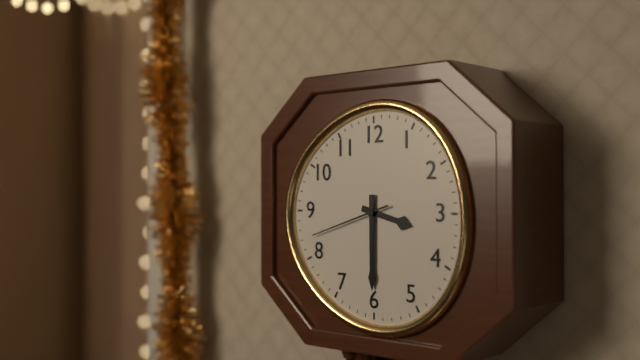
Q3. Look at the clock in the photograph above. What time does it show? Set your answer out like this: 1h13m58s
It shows 3h30m42s
